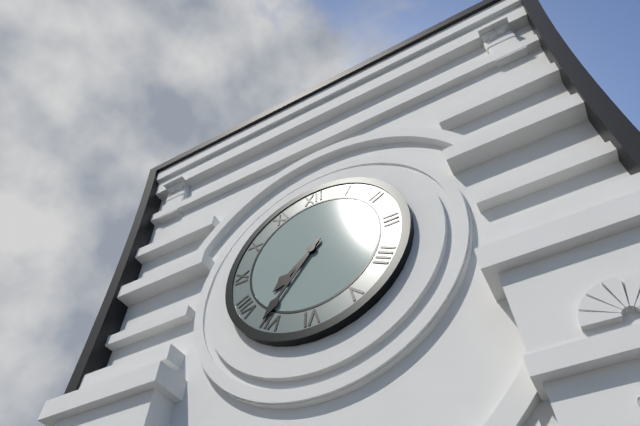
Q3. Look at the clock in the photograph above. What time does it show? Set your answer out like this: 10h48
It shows 7h36
